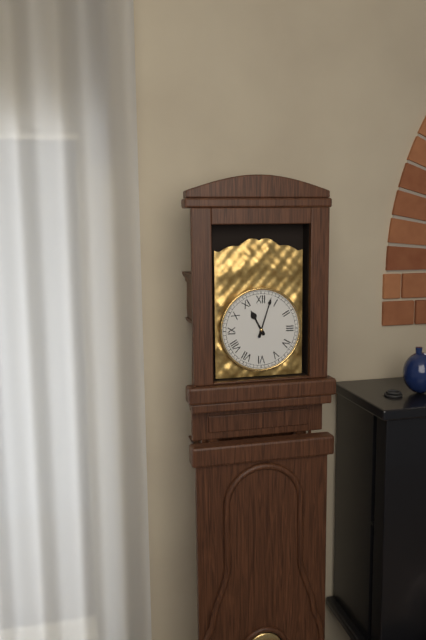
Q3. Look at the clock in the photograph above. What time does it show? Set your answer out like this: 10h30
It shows 11h03
